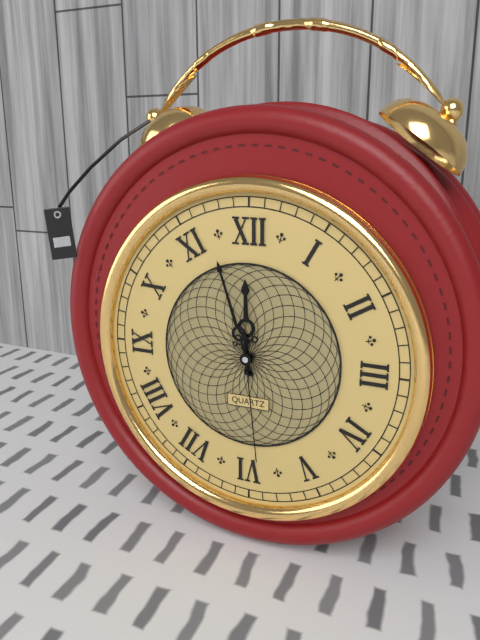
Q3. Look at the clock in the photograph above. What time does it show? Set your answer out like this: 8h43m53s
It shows 11h57m29s
